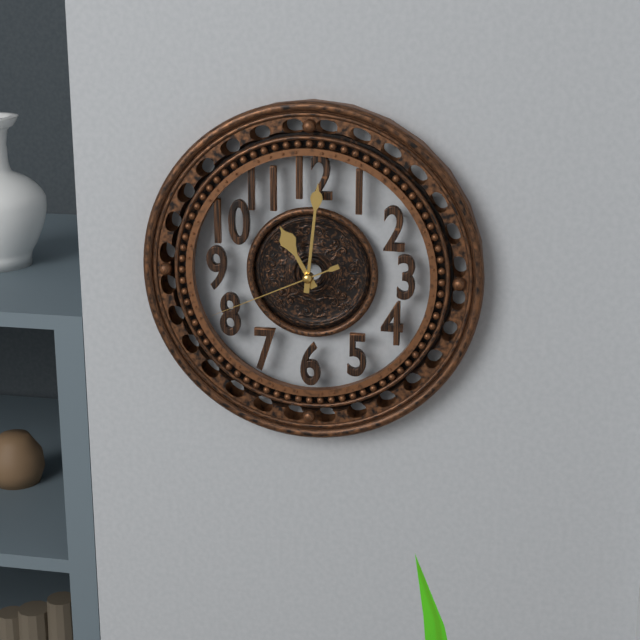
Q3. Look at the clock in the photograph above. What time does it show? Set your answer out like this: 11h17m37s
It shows 11h01m41s
